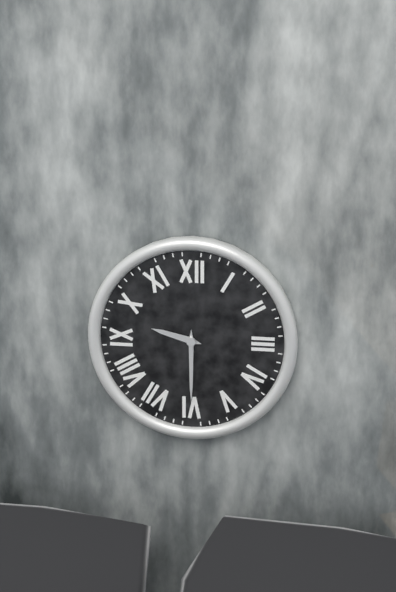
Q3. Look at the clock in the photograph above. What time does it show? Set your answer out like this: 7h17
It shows 9h30
